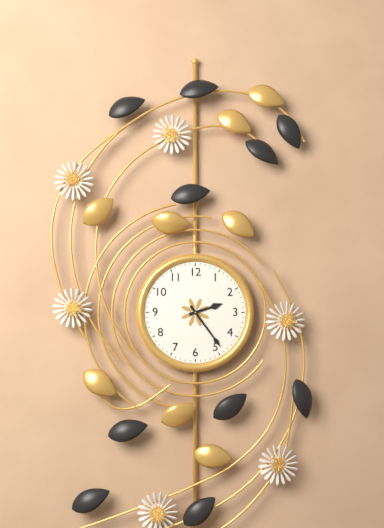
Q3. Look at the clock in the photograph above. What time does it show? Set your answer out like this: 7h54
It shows 2h24
